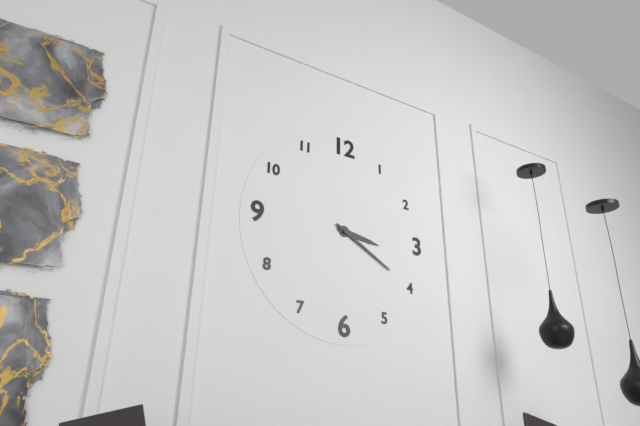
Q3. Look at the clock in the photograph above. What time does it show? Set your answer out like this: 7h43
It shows 3h20
